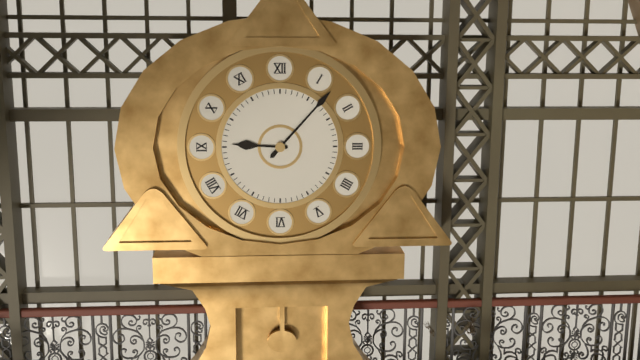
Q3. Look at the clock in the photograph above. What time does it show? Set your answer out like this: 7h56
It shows 9h07
